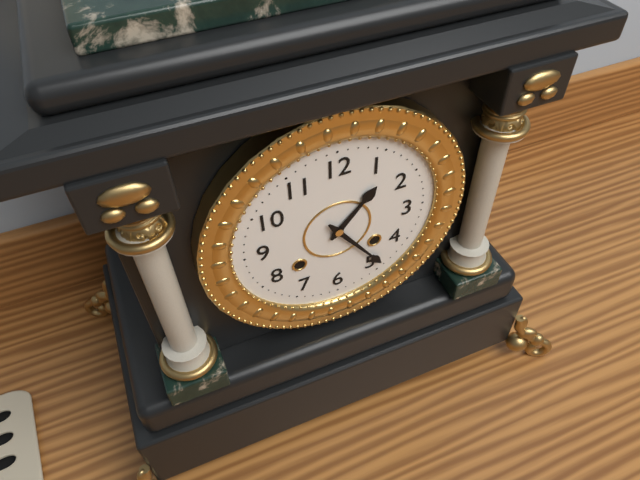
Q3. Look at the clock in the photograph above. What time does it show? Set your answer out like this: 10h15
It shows 1h24
